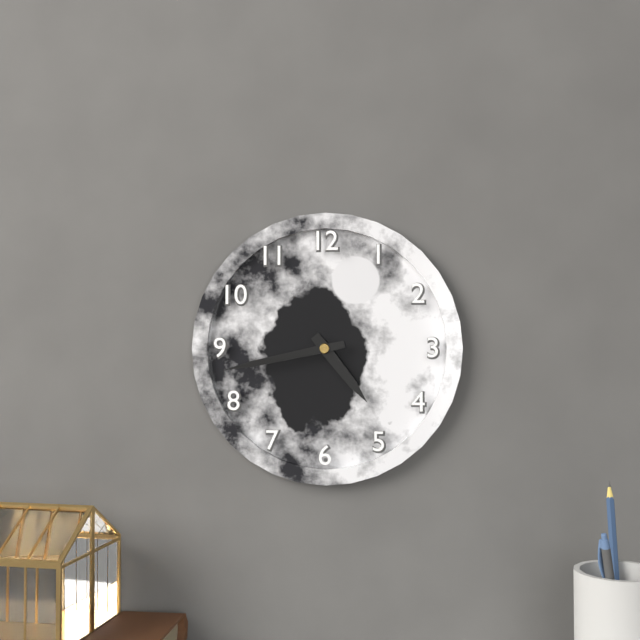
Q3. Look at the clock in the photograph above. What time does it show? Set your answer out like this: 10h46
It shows 4h43
